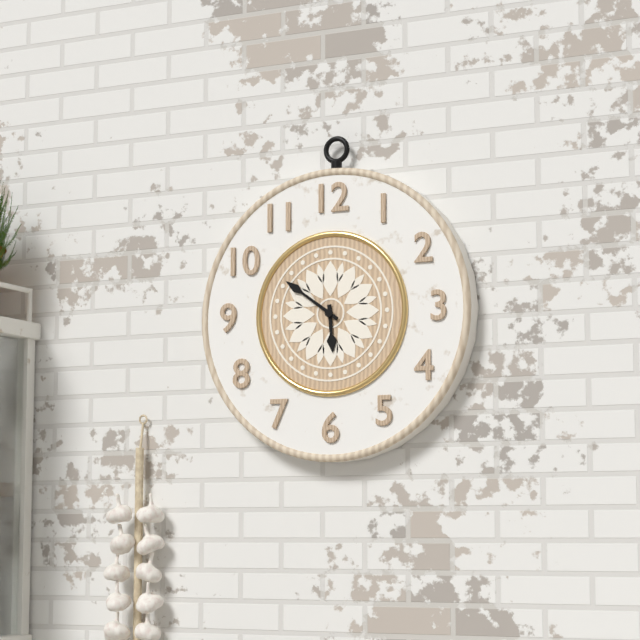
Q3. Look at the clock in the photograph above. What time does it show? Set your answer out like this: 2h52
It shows 5h51
